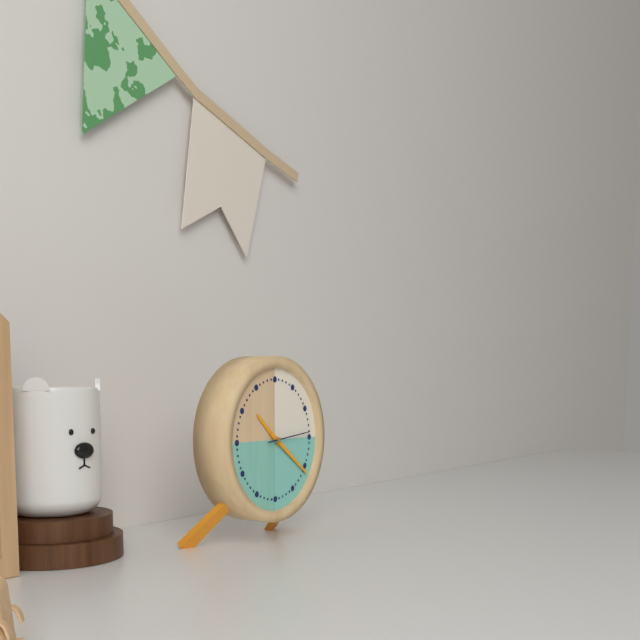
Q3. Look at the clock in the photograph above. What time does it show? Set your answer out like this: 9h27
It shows 10h21
